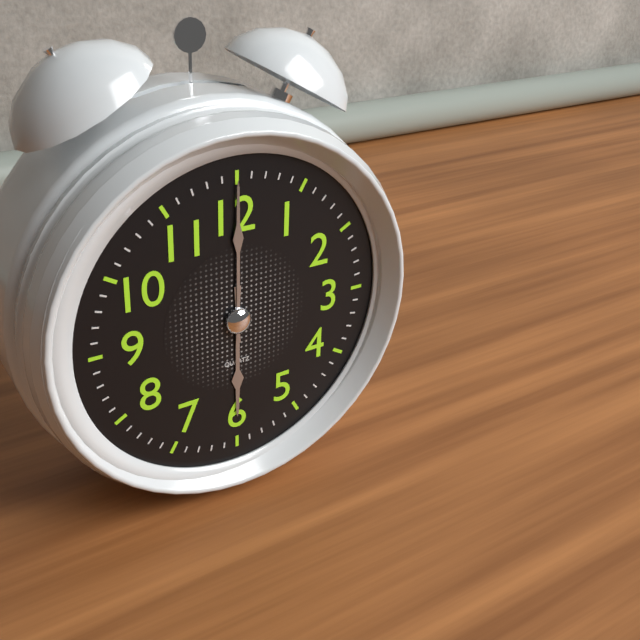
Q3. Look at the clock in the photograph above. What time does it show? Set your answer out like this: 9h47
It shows 6h00
